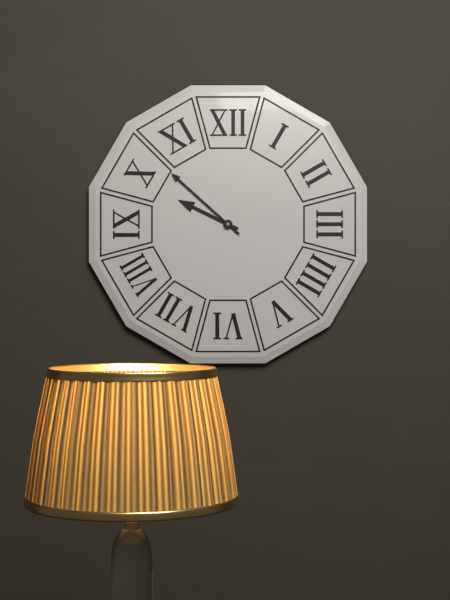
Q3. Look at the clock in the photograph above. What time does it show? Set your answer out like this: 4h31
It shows 9h52
